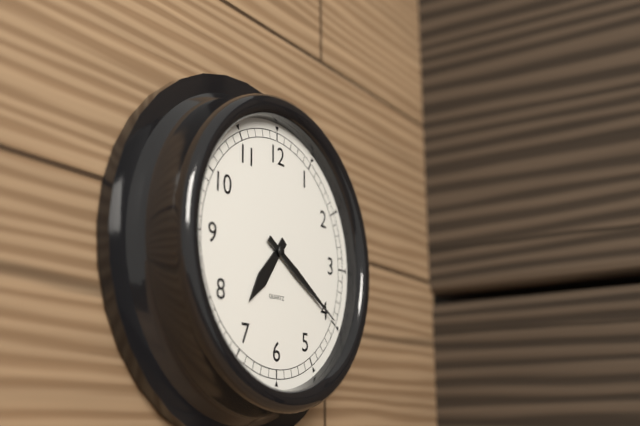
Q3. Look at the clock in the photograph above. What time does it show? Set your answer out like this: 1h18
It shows 7h20
